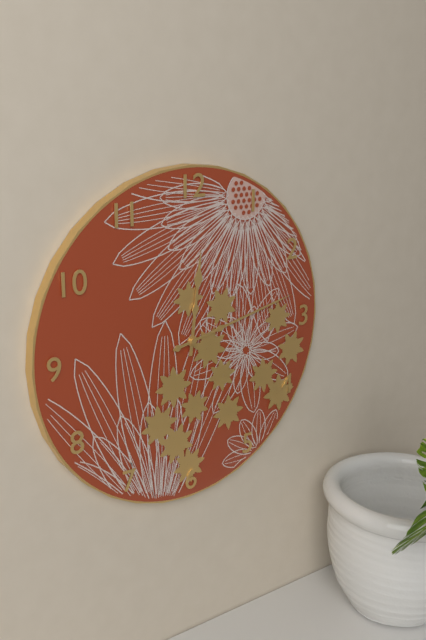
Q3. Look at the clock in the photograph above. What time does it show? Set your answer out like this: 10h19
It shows 12h13
